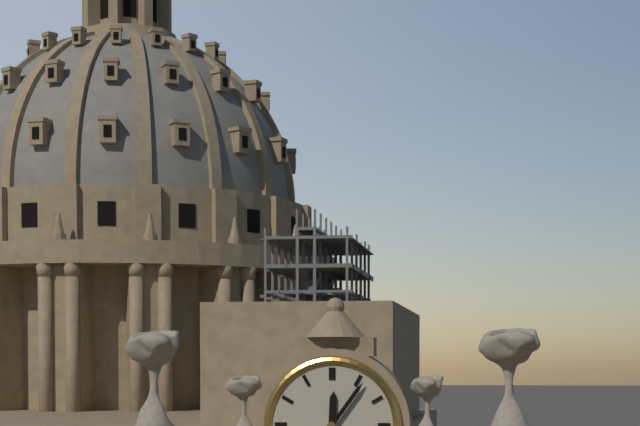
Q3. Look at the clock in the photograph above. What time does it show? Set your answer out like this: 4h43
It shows 12h06
